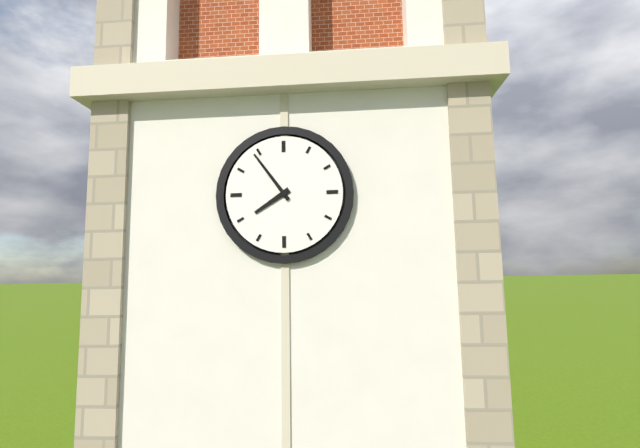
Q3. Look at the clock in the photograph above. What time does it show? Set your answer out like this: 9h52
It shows 7h54
